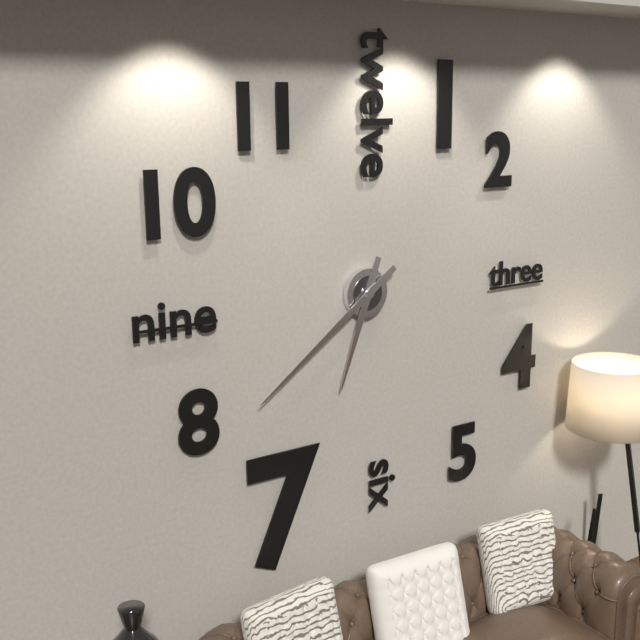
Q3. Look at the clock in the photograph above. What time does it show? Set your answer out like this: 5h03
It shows 6h39
